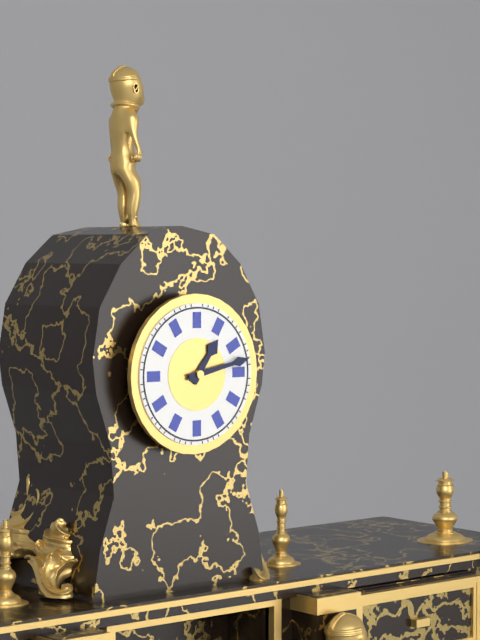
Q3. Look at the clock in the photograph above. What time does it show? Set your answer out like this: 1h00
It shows 1h13
